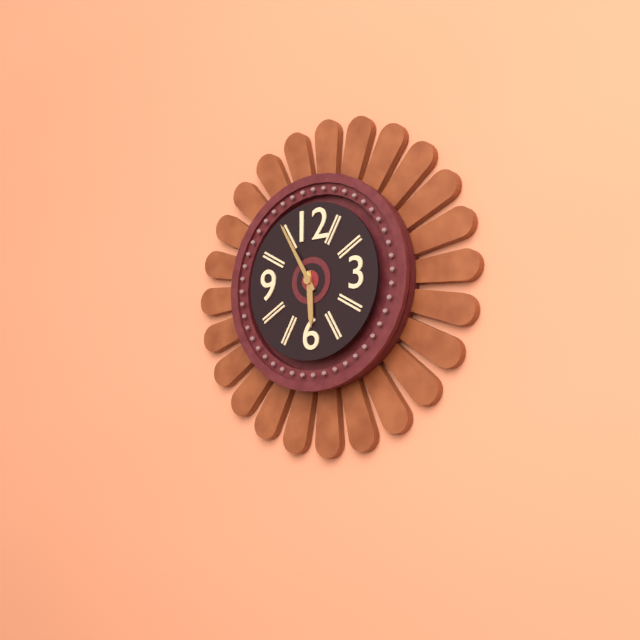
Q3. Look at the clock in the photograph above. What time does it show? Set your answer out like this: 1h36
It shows 5h55
